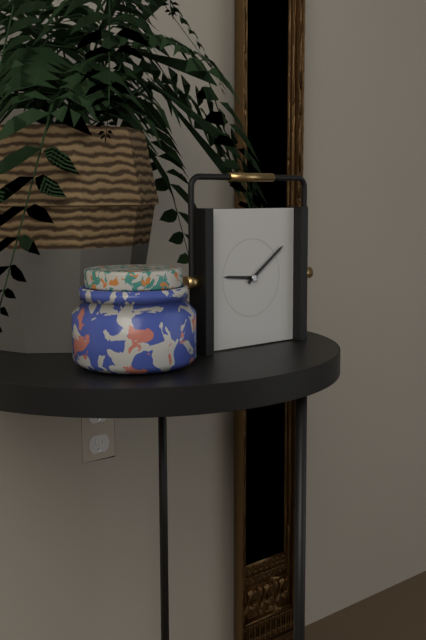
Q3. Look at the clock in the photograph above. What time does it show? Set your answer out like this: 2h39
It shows 9h09
